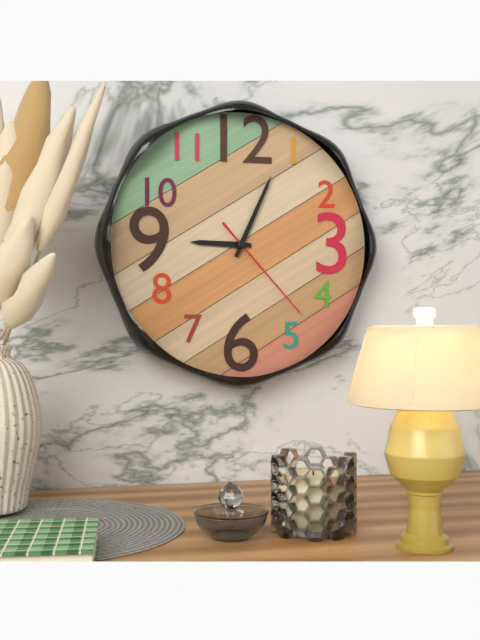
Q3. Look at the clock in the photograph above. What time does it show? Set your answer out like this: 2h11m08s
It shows 9h04m23s
